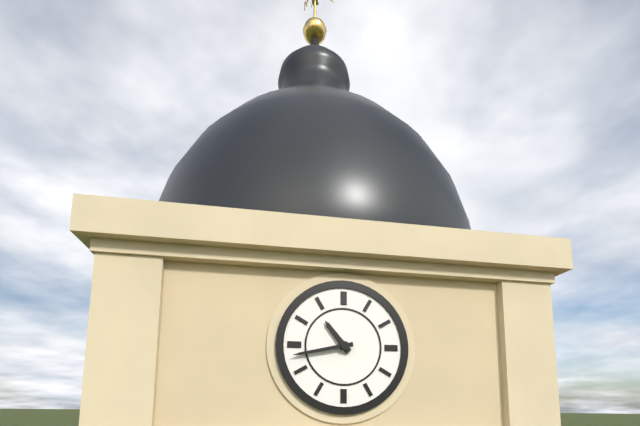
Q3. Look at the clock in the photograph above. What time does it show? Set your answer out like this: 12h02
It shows 10h43
